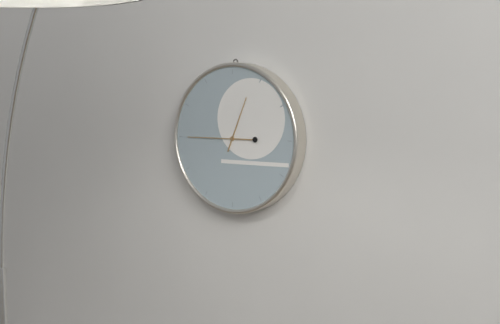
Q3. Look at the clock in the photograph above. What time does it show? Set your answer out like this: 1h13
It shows 12h45
